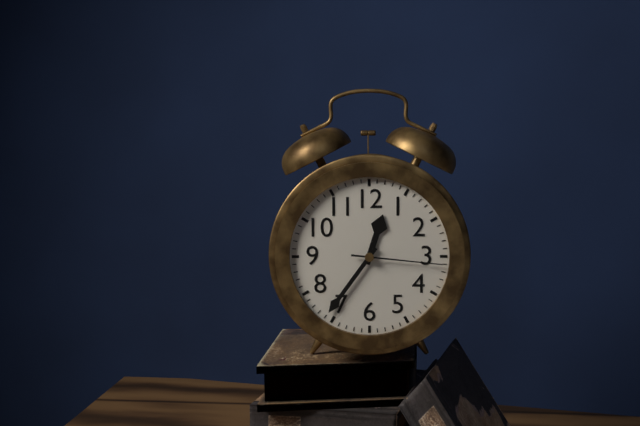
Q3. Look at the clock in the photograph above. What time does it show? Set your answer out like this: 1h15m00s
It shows 12h36m16s
